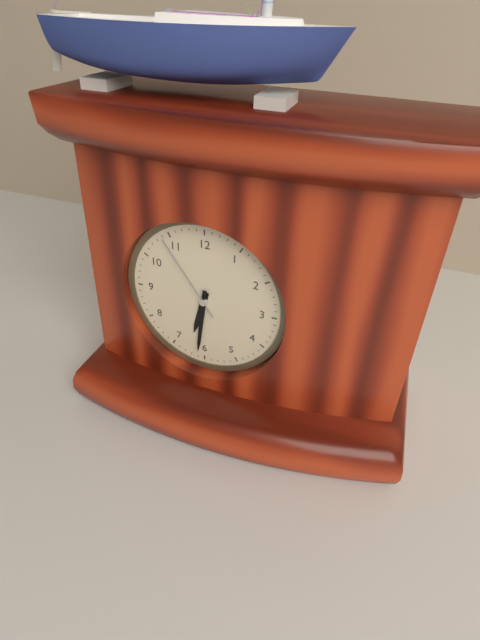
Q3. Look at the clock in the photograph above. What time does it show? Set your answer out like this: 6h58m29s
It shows 6h31m54s
